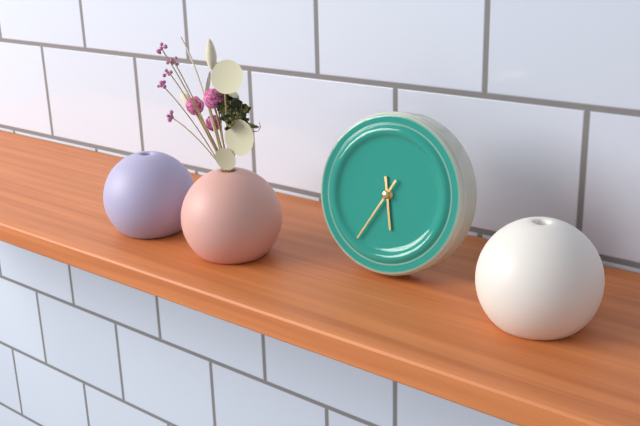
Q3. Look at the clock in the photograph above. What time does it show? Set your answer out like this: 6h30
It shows 5h35
